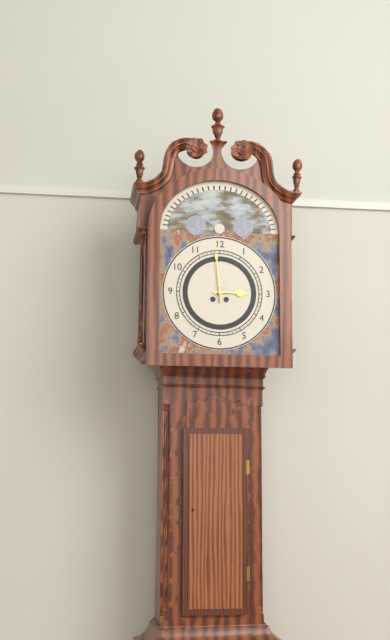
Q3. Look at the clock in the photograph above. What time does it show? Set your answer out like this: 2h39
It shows 2h59
